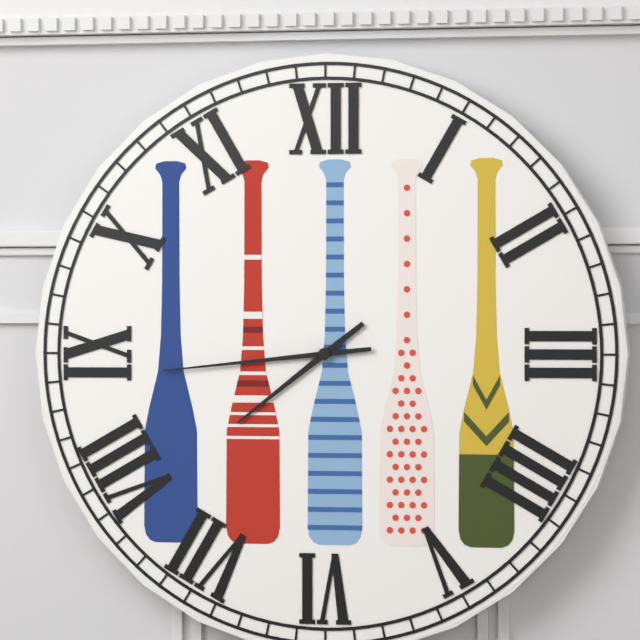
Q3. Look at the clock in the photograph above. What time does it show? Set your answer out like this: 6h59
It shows 7h44
